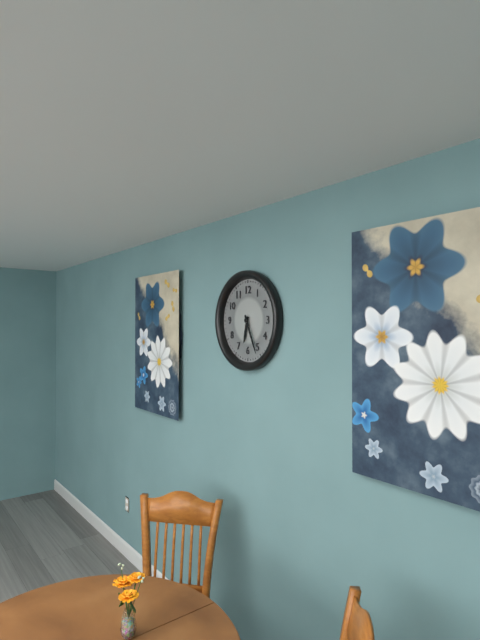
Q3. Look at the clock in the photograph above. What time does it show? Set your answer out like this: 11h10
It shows 6h26
